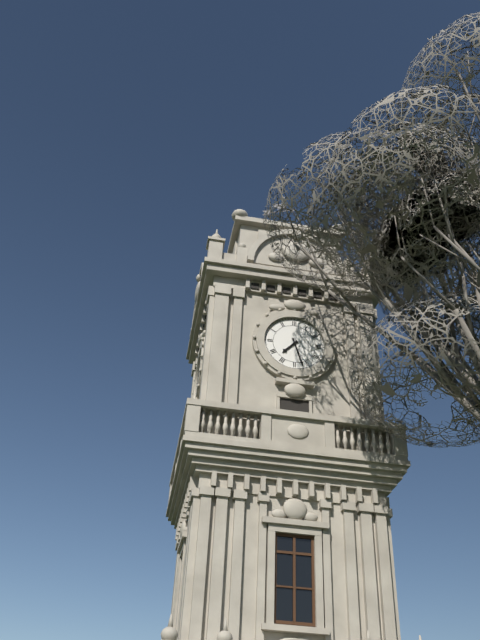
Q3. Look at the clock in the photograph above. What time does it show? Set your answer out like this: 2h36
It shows 7h27
